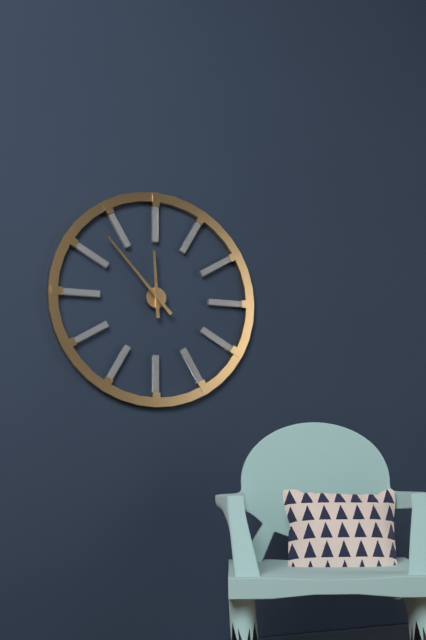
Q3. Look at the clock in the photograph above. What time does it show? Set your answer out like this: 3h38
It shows 11h53
